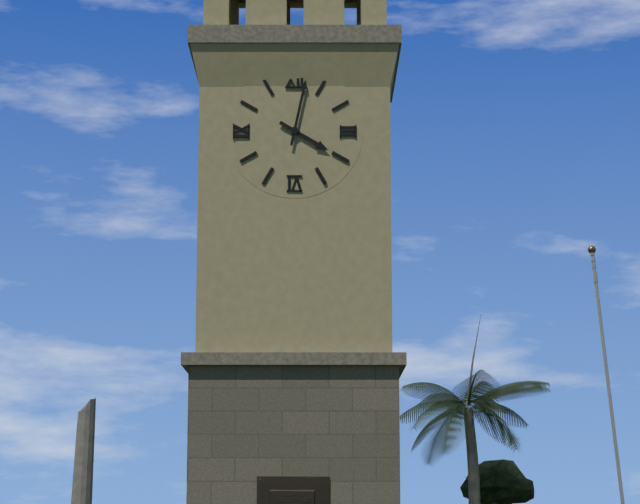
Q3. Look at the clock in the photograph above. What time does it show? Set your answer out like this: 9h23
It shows 4h02
